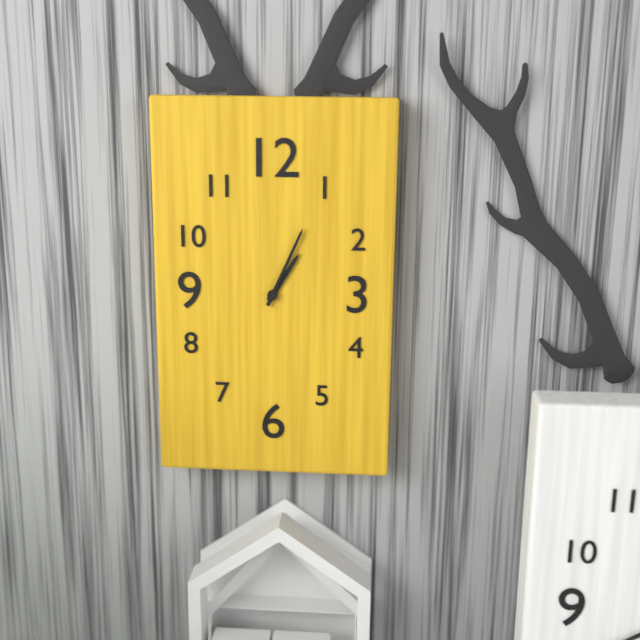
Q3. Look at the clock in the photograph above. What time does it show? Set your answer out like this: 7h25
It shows 1h04
